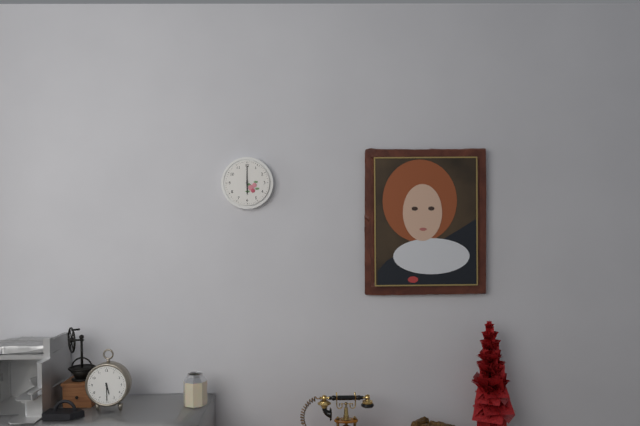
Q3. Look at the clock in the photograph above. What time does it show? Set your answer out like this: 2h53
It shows 6h00
